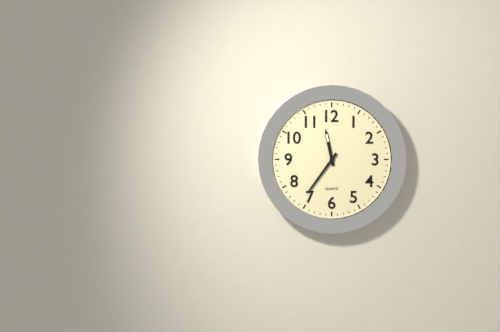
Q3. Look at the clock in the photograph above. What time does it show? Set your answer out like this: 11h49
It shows 11h36
